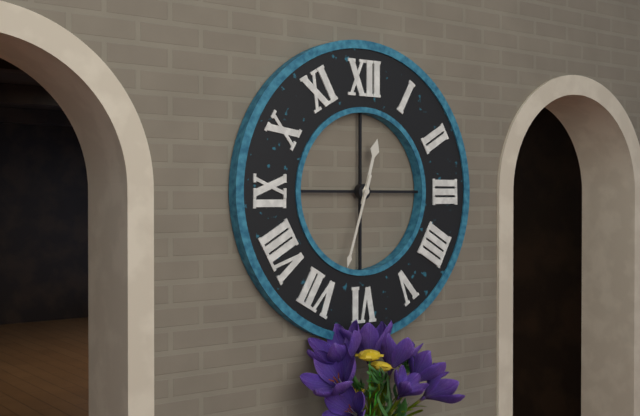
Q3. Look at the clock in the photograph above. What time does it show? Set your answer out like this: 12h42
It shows 12h33
